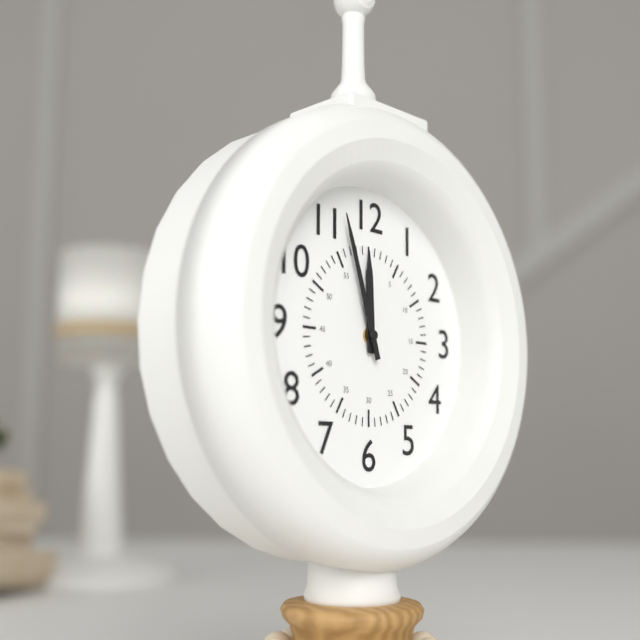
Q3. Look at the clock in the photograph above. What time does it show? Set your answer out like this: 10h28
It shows 11h57
